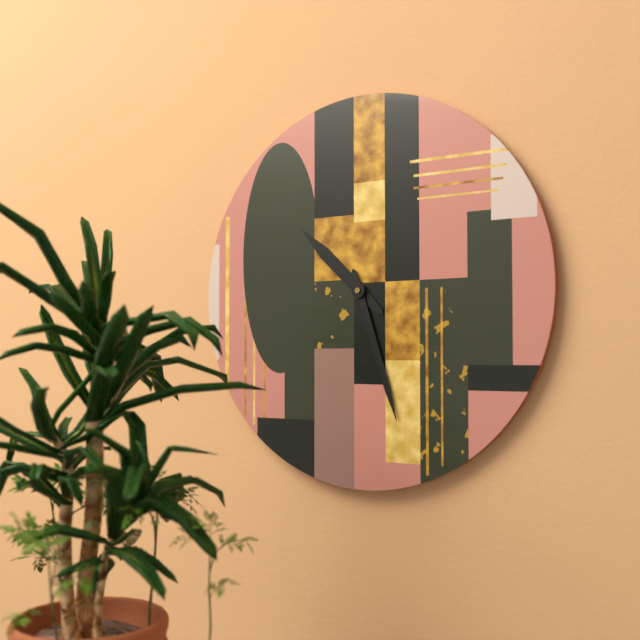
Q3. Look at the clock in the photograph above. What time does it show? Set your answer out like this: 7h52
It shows 10h27
